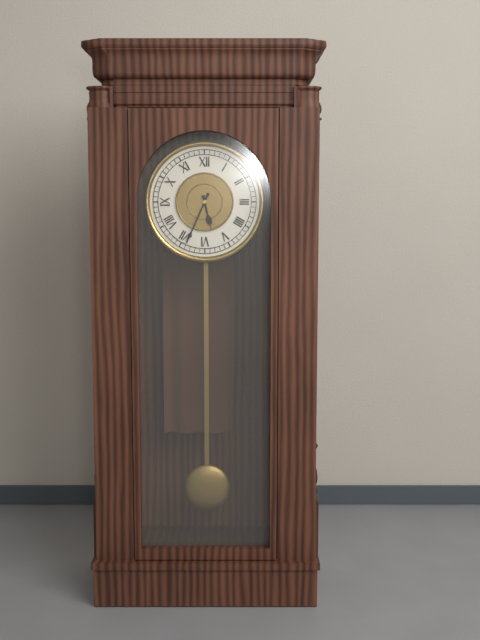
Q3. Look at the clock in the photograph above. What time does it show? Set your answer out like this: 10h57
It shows 5h34
